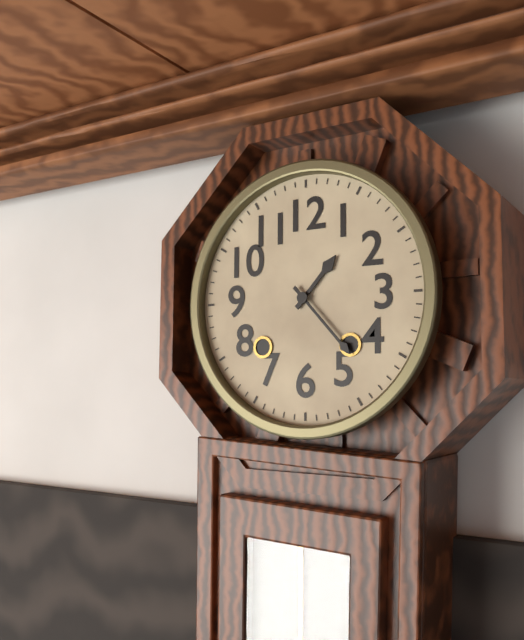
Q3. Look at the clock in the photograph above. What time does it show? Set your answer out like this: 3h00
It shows 1h23
